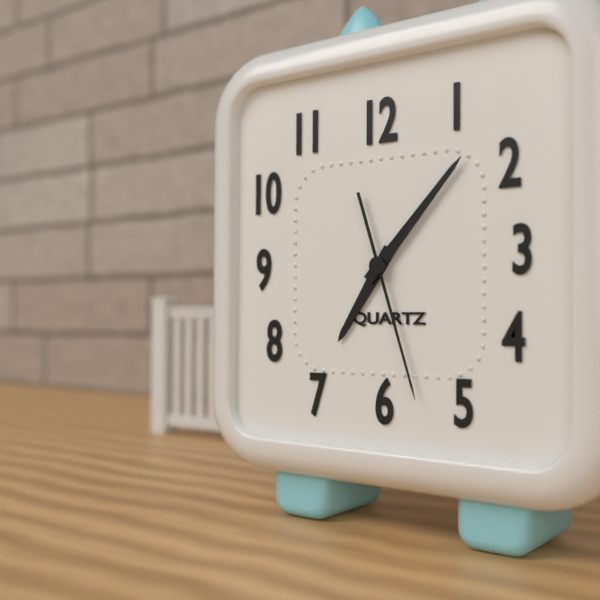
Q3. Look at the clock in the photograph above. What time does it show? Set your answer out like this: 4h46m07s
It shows 7h07m27s
